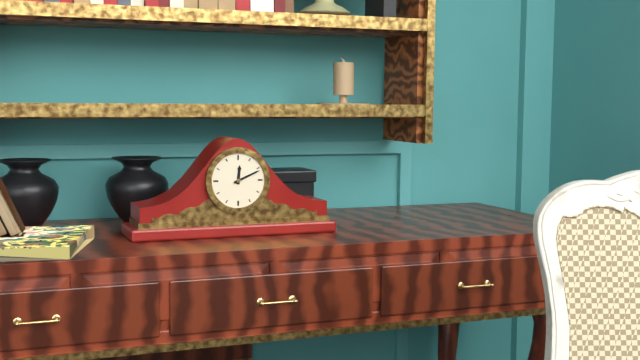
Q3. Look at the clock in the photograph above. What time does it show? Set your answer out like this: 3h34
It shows 12h11
